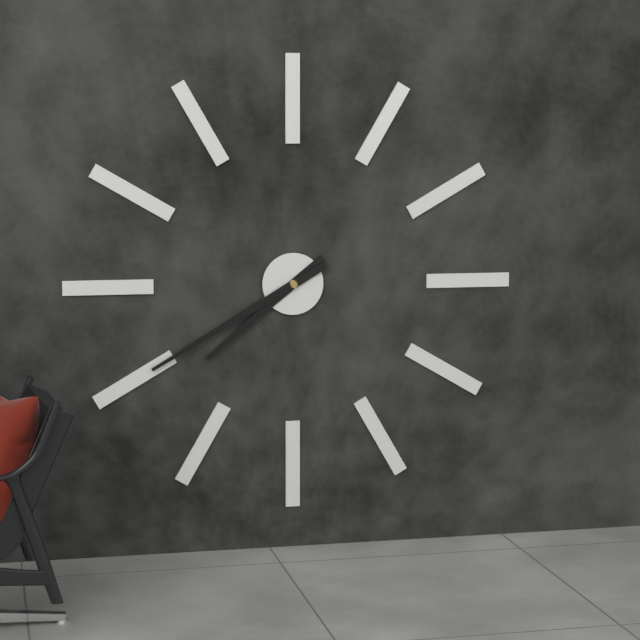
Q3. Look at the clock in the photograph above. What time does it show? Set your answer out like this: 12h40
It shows 7h40
